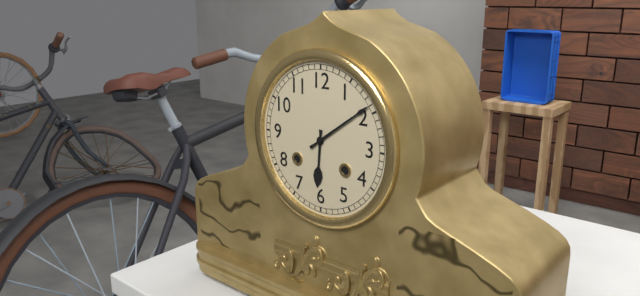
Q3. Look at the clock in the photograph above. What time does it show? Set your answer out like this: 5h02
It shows 6h09
